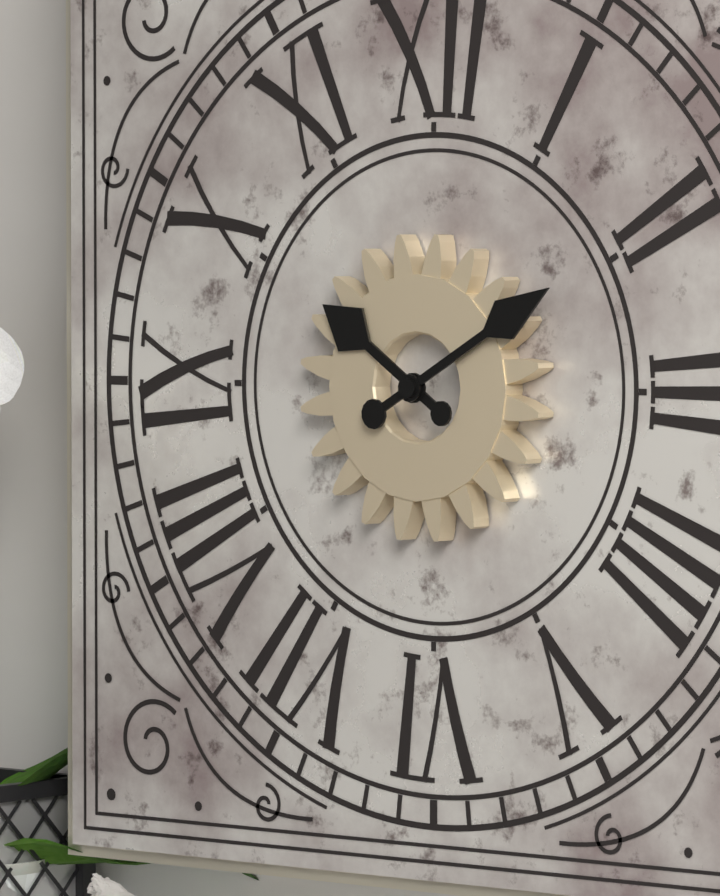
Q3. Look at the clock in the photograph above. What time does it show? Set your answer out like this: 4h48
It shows 10h10
